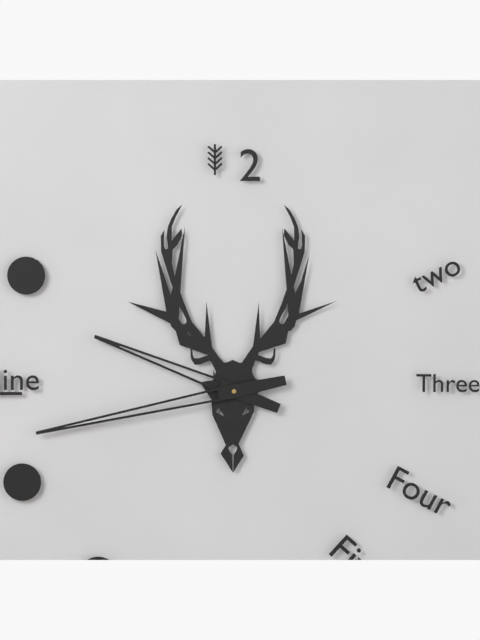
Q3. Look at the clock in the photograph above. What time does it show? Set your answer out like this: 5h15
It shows 9h43
